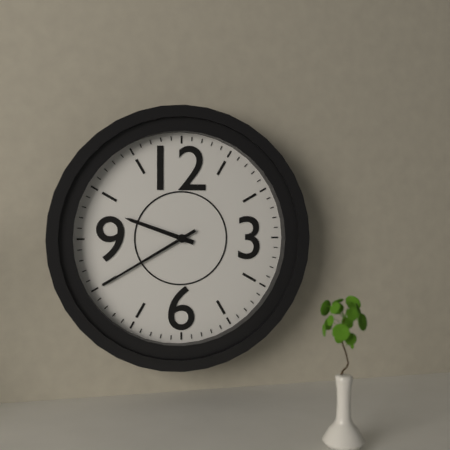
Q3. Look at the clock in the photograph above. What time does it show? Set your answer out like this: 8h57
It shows 9h40
